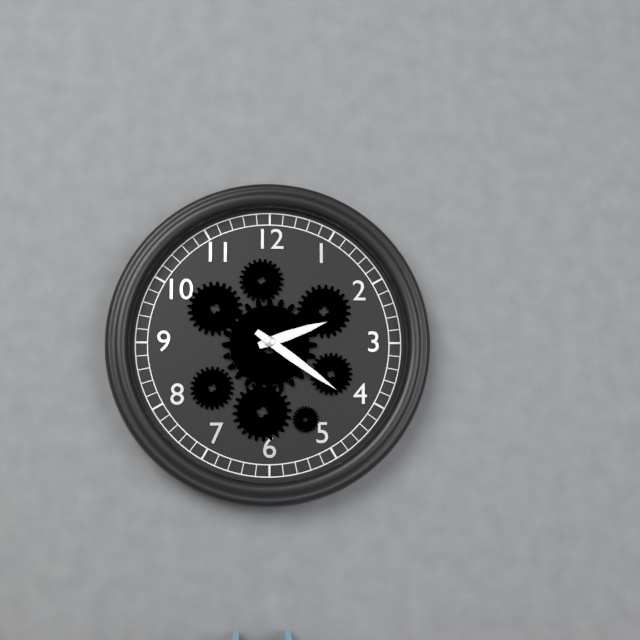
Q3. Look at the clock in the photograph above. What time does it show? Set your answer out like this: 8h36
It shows 2h21
